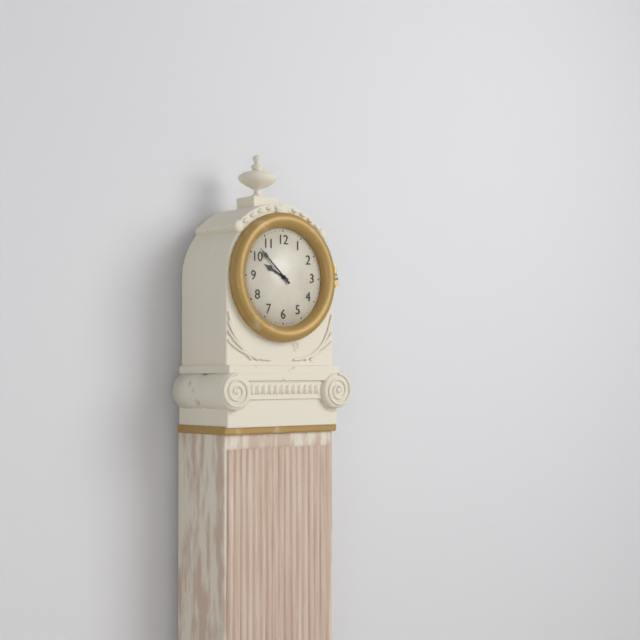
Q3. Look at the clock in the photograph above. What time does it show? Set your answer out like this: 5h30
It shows 9h52
